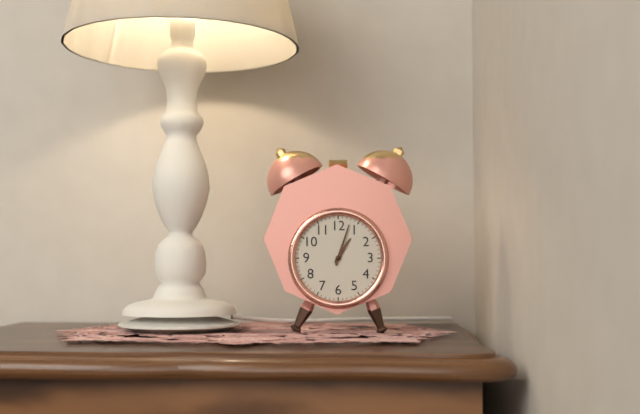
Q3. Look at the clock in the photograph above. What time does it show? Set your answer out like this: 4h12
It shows 1h03
